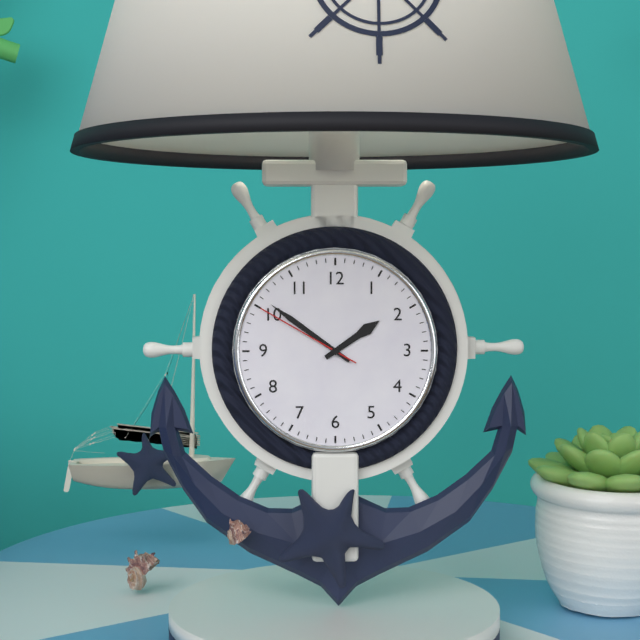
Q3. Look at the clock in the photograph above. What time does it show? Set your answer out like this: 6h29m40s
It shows 1h51m50s
